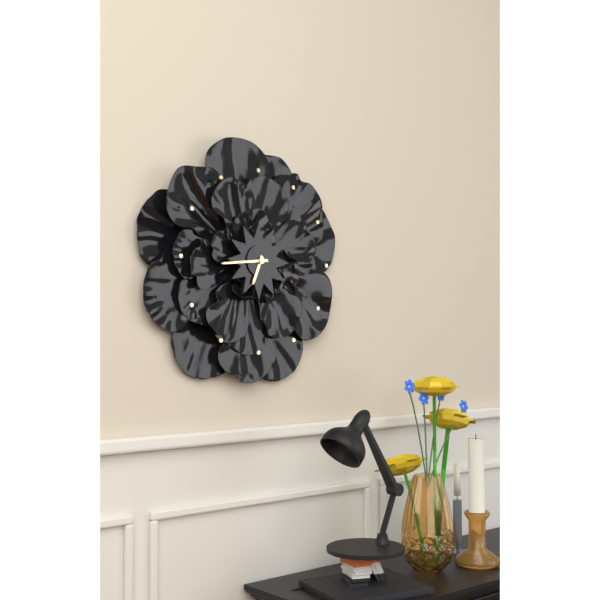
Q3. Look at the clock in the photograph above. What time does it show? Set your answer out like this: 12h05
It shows 6h44
